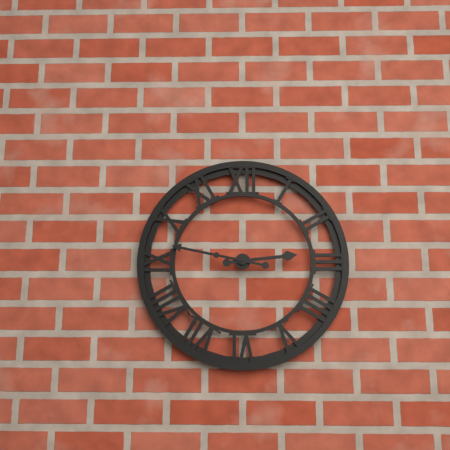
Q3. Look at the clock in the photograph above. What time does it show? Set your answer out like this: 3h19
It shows 2h47
